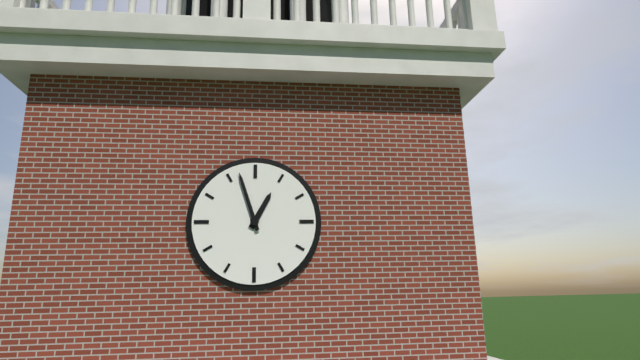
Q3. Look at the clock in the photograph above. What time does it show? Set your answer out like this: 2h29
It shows 12h57
